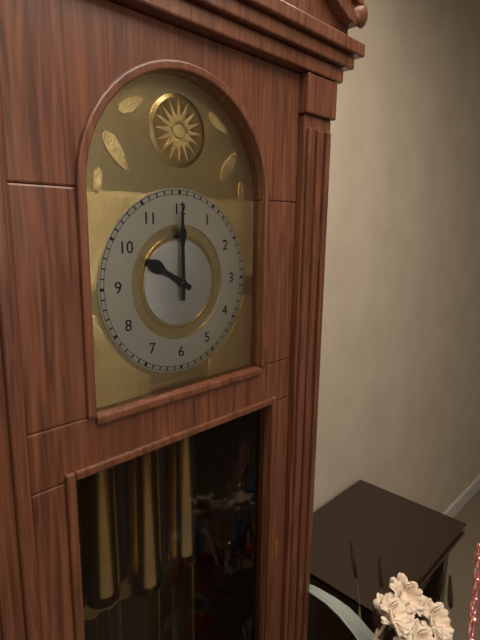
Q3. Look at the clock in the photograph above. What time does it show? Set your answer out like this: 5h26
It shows 10h00
